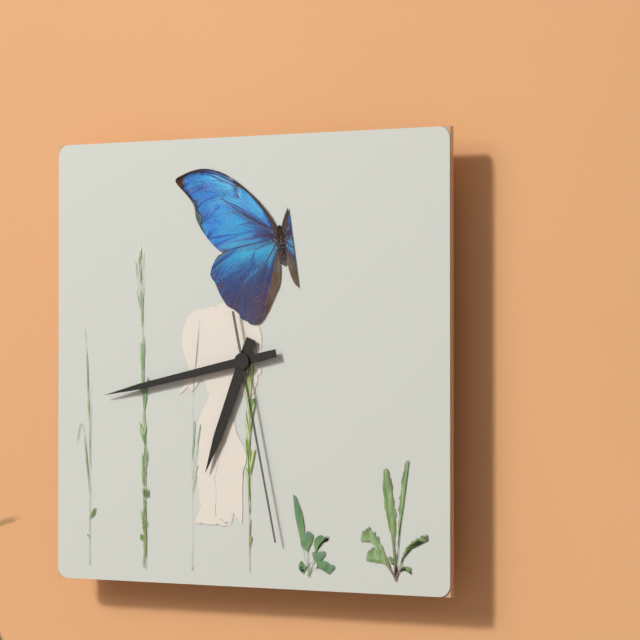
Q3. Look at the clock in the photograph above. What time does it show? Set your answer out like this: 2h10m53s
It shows 6h43m28s
